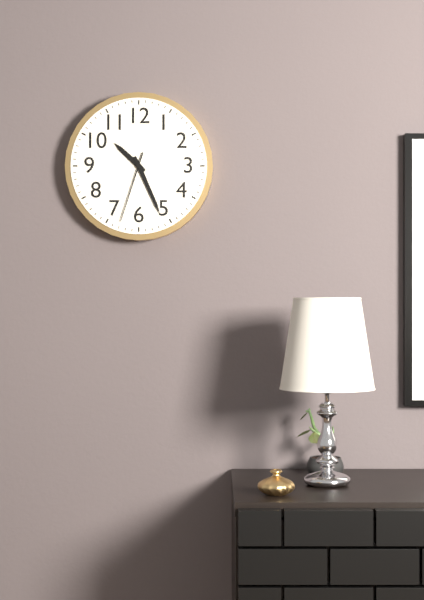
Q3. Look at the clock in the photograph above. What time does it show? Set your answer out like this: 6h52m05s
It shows 10h26m33s
